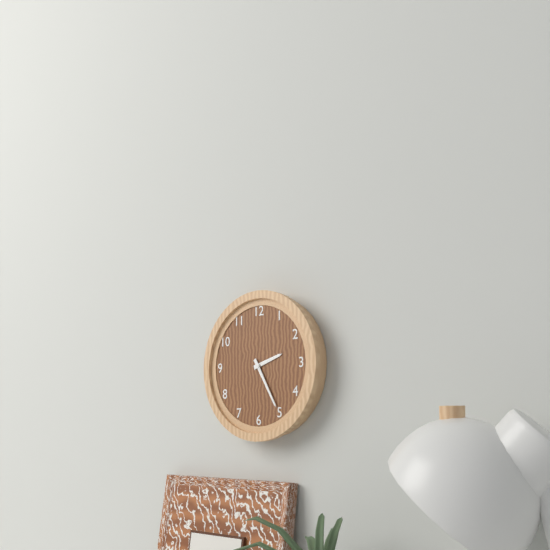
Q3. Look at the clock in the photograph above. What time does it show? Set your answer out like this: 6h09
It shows 2h25
